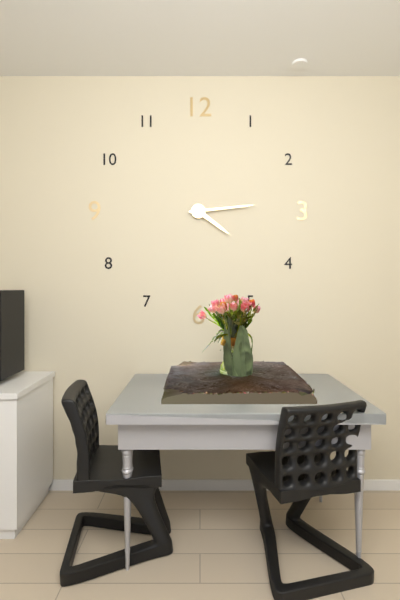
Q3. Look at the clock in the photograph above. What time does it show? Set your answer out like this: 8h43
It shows 4h14
